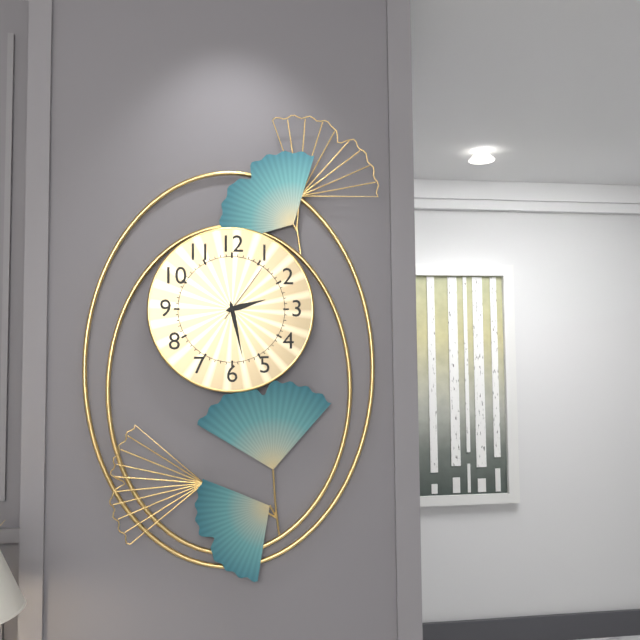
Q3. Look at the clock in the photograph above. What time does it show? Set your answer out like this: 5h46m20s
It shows 2h28m06s
